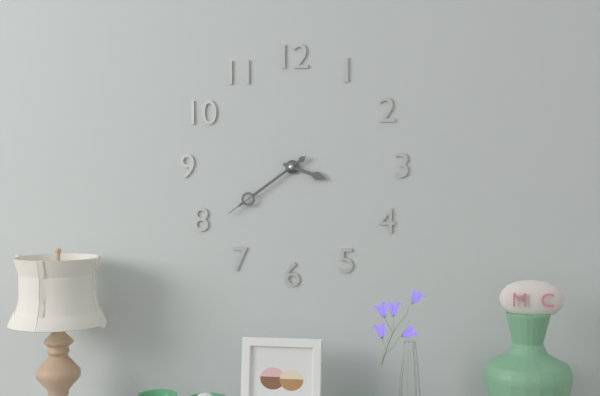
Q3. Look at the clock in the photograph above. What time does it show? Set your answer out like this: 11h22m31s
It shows 3h39m39s
